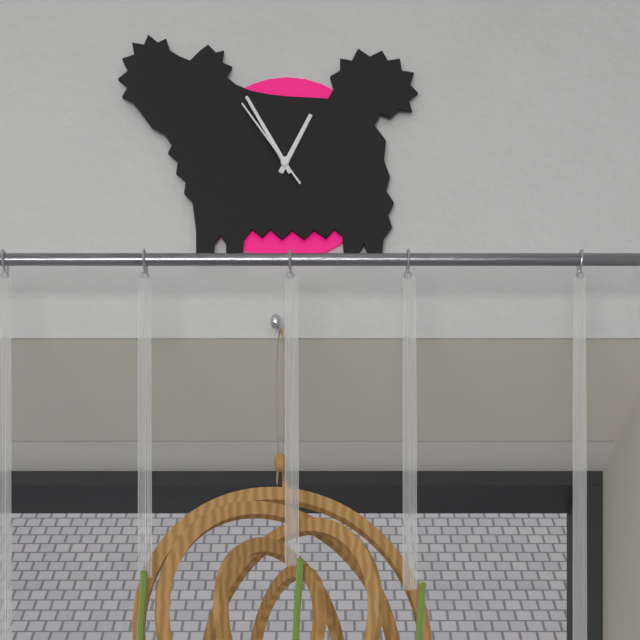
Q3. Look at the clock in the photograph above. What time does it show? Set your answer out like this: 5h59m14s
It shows 12h55m54s
